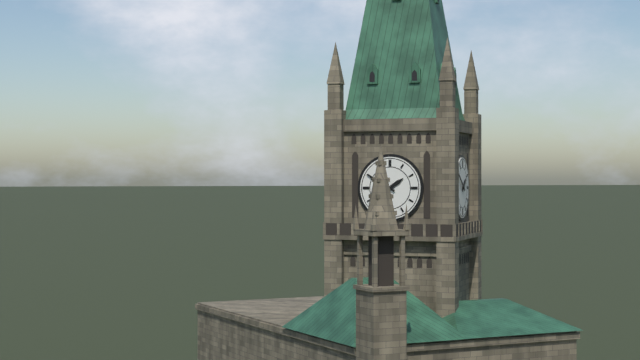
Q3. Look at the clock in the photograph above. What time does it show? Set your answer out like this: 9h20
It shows 1h50
